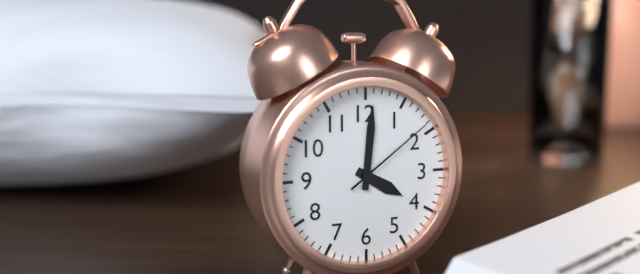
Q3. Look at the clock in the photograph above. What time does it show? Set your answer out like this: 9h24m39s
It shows 4h01m09s
